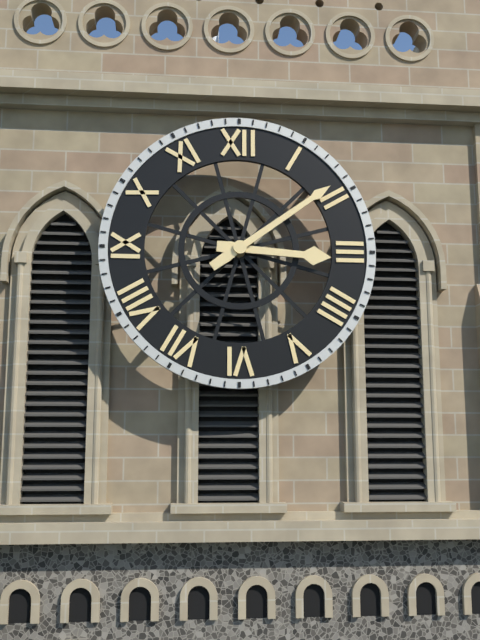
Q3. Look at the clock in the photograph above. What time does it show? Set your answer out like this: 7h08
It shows 3h09
